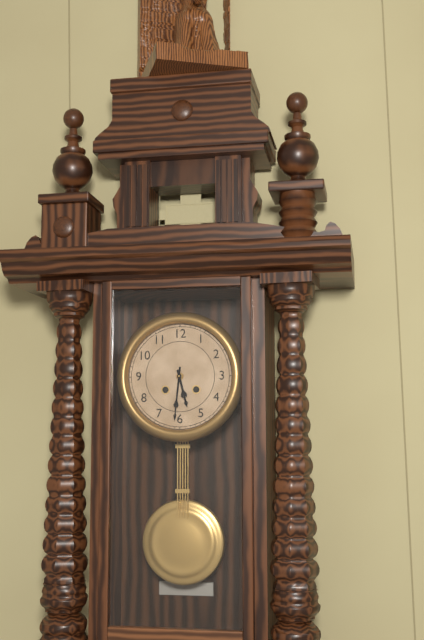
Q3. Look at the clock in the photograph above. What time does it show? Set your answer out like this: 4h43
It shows 5h31
